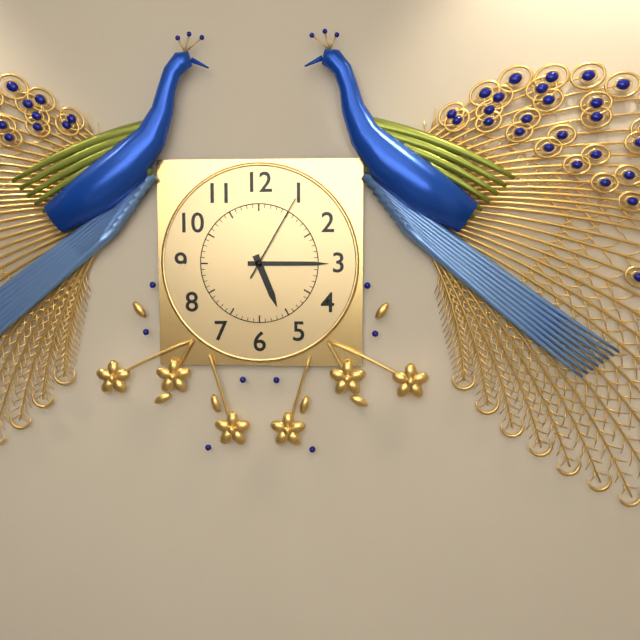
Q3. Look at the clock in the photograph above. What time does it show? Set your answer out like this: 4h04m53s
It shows 5h15m05s
